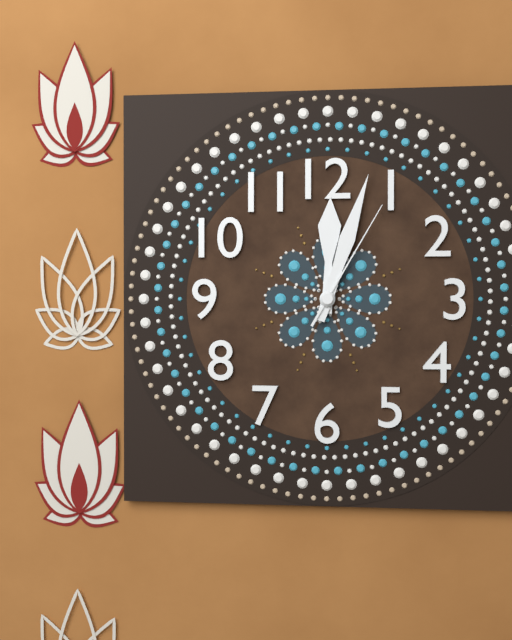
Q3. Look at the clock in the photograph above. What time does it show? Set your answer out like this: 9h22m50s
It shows 12h03m05s
